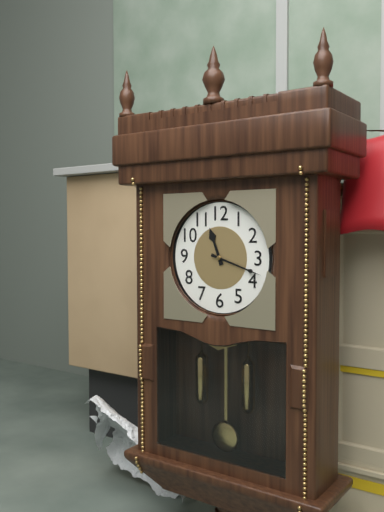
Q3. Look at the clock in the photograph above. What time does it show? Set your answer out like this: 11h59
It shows 11h18
